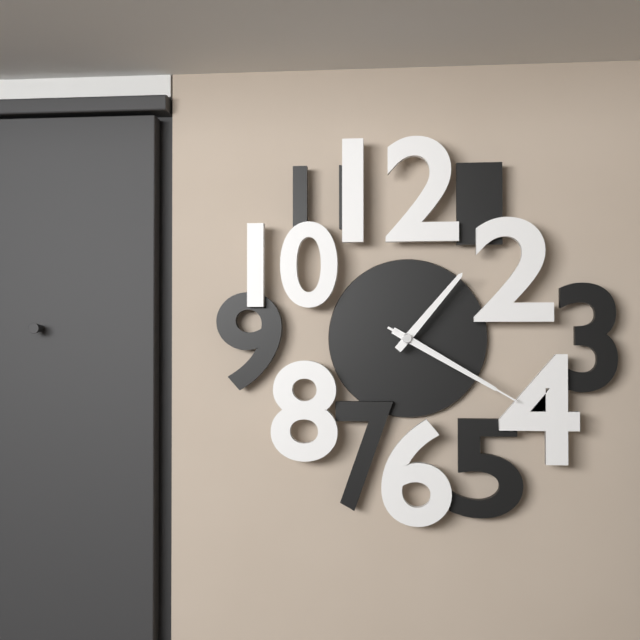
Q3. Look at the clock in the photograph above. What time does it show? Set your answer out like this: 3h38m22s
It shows 1h20m20s
